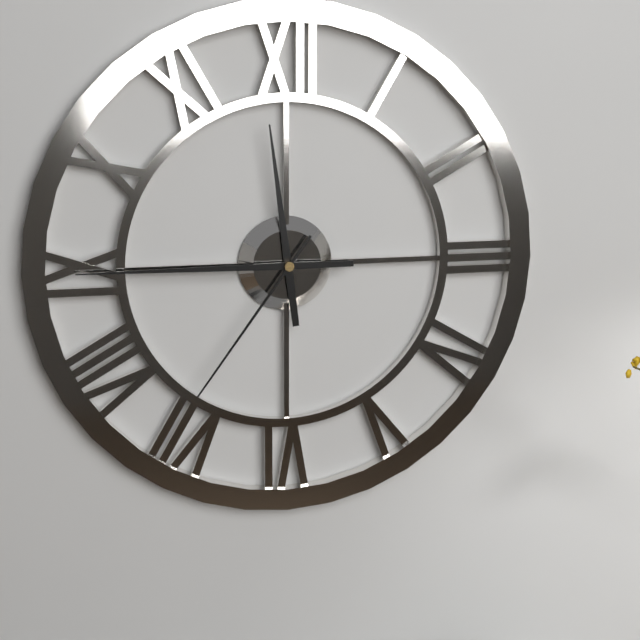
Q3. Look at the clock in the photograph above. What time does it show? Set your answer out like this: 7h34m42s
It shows 11h45m36s
